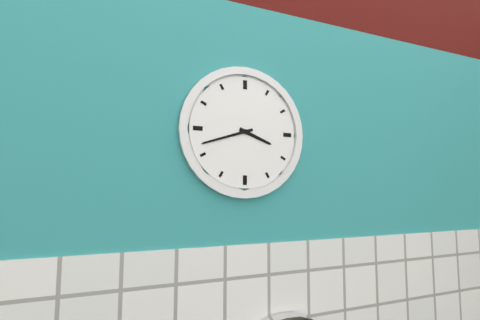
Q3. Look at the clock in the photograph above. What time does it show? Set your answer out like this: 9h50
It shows 3h42
